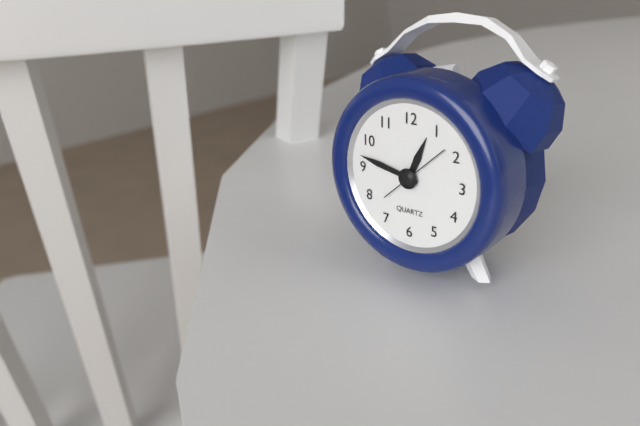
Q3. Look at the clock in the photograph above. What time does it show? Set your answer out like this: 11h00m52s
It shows 12h47m08s
